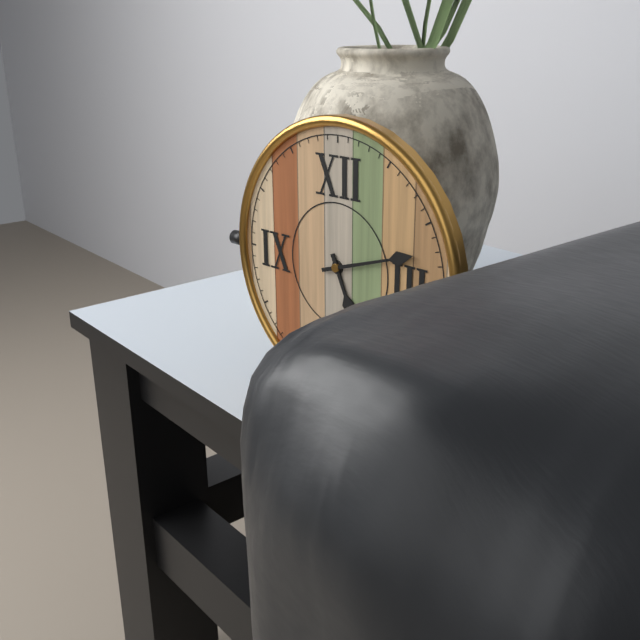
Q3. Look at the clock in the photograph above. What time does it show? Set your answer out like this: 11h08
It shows 5h12
